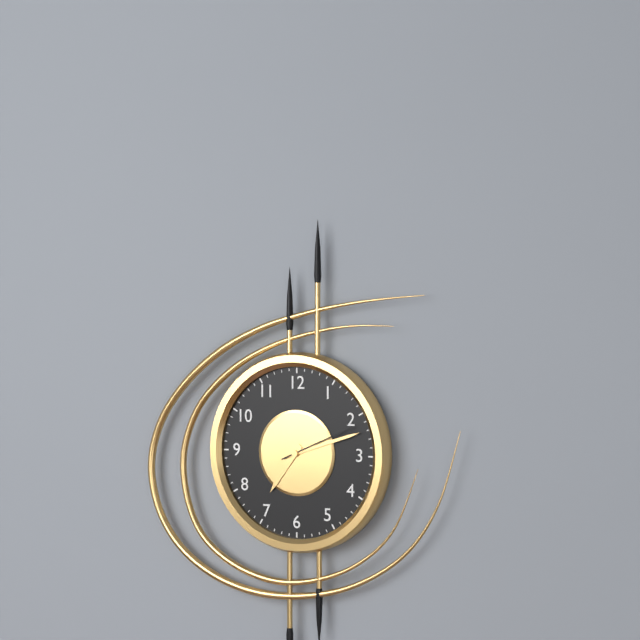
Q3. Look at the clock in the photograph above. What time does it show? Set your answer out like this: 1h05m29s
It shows 7h12m11s
